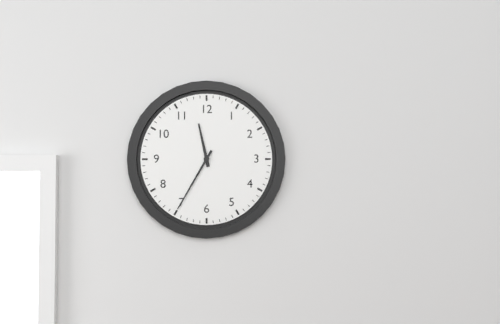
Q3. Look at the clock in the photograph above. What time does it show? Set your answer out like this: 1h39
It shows 11h35
